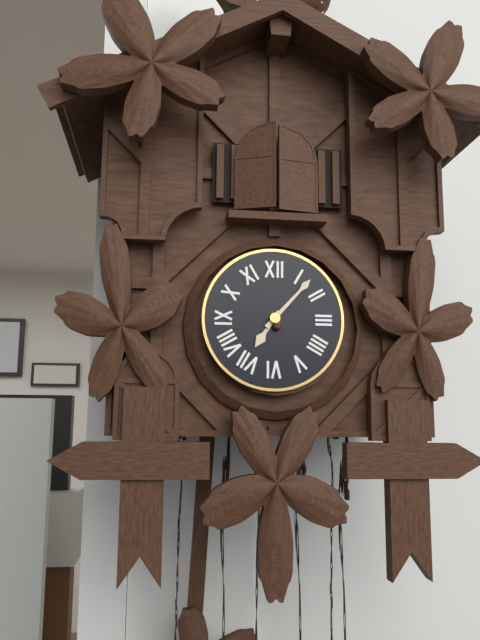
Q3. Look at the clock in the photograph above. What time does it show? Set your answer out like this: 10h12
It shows 7h07
